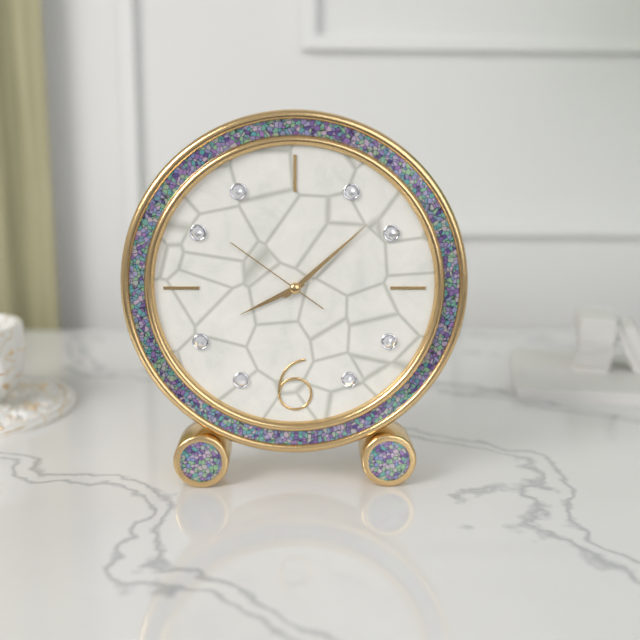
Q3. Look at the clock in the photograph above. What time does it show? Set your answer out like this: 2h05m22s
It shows 8h08m51s
